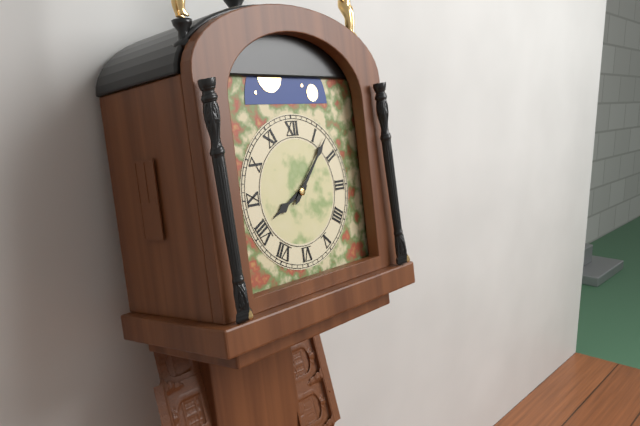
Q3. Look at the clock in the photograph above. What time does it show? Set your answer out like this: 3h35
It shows 8h07
